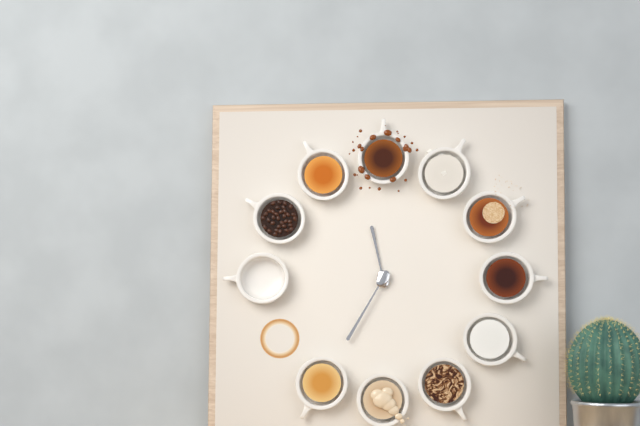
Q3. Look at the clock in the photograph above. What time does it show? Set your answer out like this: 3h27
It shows 11h35
